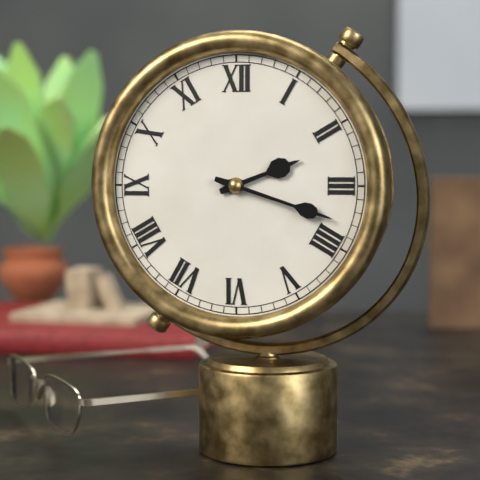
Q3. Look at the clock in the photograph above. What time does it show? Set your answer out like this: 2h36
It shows 2h18
